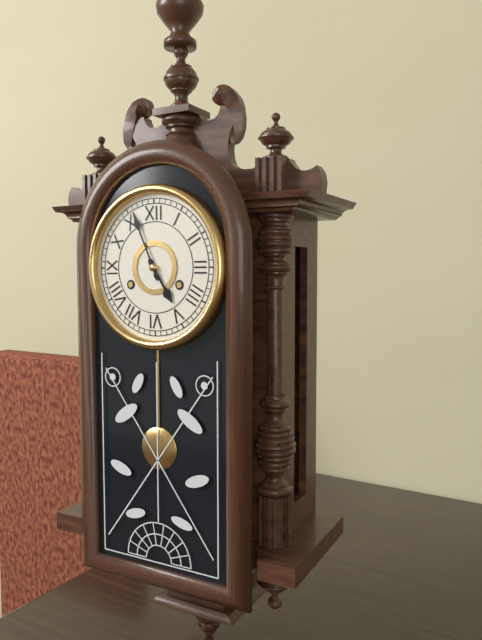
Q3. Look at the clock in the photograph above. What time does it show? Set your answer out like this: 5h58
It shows 4h56
